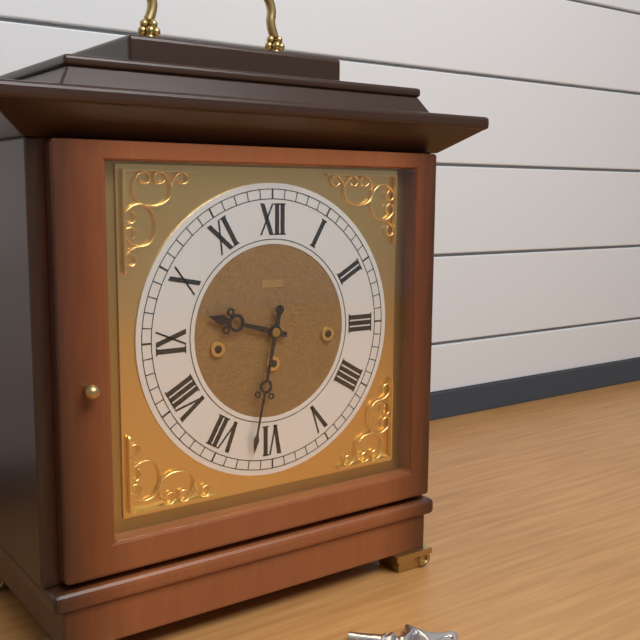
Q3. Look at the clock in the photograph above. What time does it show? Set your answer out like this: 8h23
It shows 9h32
